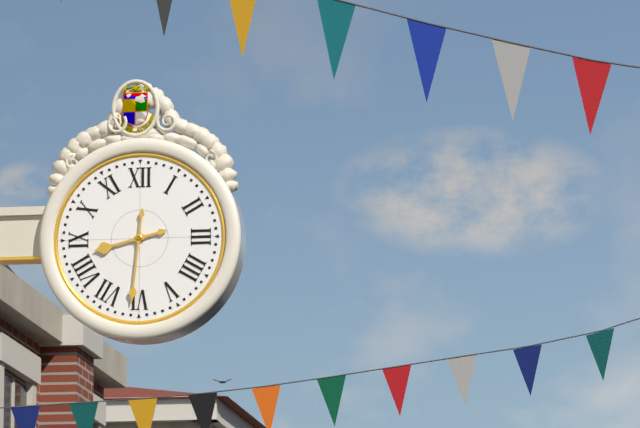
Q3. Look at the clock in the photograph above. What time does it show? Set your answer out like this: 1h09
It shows 8h31
